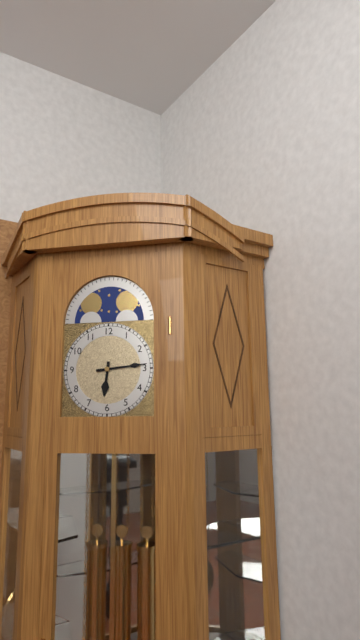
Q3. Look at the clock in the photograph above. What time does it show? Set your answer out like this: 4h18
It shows 6h14
